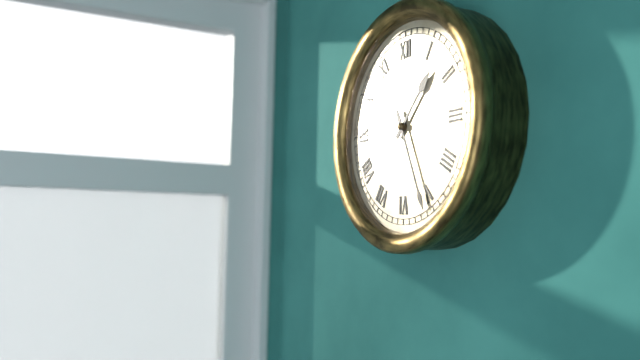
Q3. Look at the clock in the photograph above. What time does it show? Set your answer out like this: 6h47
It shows 1h26
